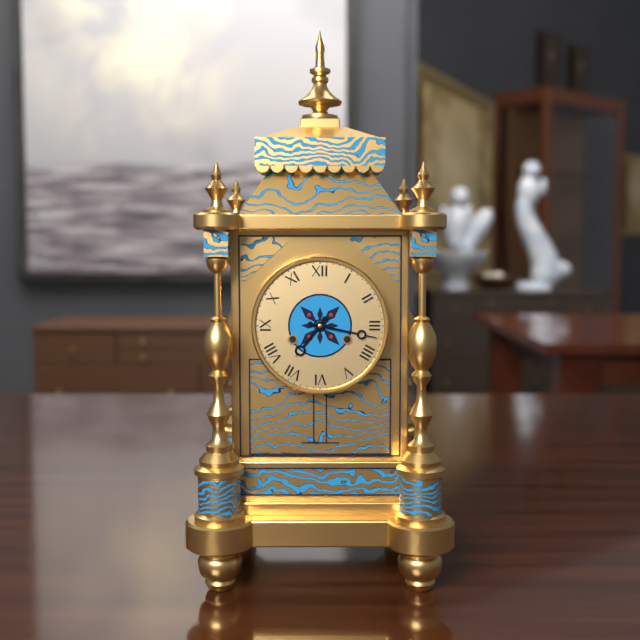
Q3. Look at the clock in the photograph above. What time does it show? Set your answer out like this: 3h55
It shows 7h17
